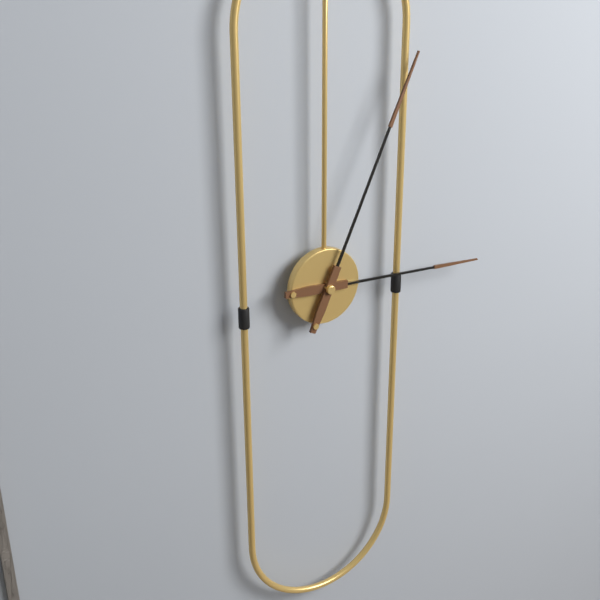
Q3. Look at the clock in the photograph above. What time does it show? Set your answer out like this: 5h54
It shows 3h04
